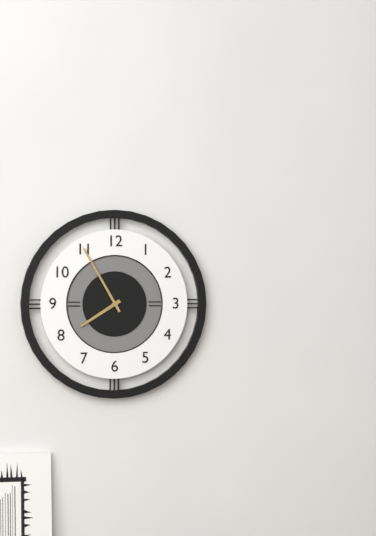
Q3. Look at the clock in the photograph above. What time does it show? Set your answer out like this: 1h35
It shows 7h55
